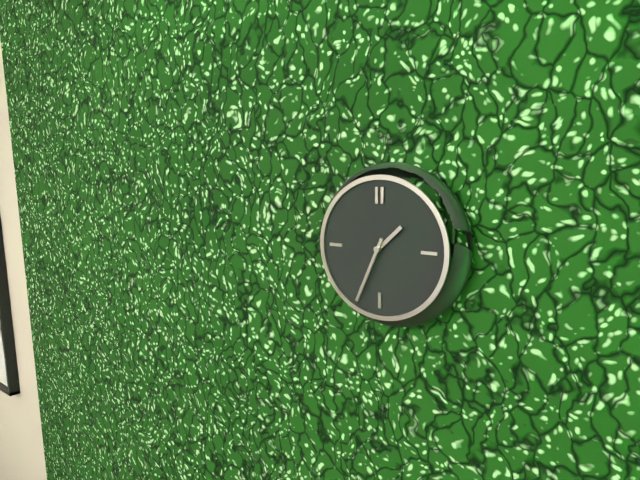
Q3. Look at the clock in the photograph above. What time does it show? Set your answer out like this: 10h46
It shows 1h34
